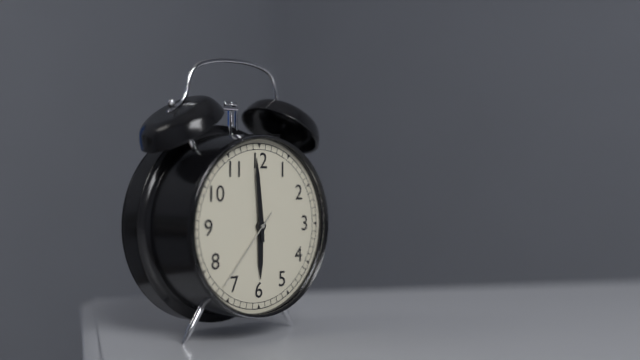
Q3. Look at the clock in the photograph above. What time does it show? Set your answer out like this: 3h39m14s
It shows 5h59m37s
